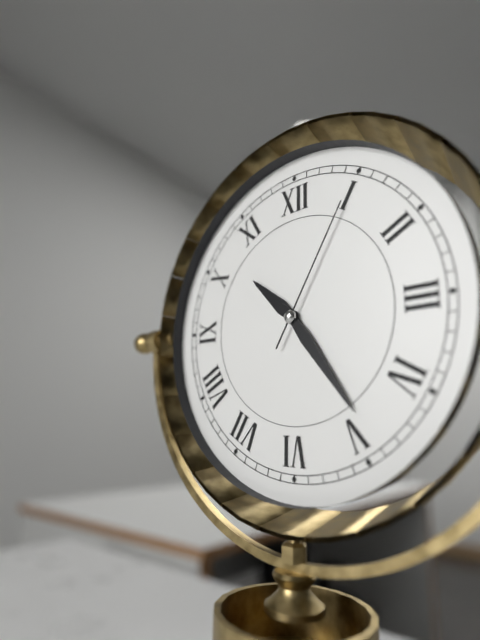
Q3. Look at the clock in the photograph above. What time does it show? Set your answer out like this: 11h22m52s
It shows 10h24m05s
